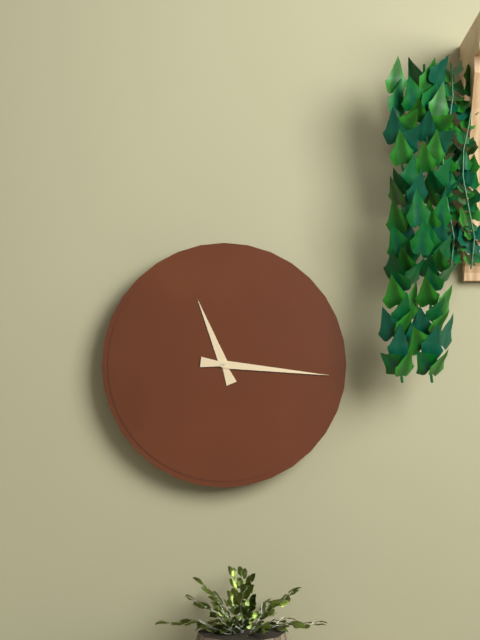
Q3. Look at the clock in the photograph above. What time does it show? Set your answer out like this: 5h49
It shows 11h16
